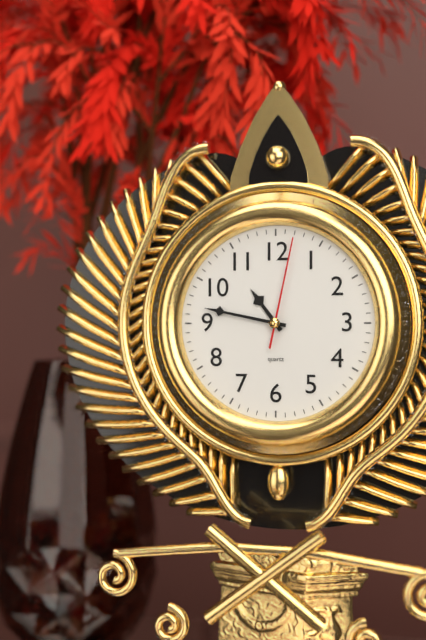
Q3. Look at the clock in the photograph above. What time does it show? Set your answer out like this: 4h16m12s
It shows 10h47m02s
